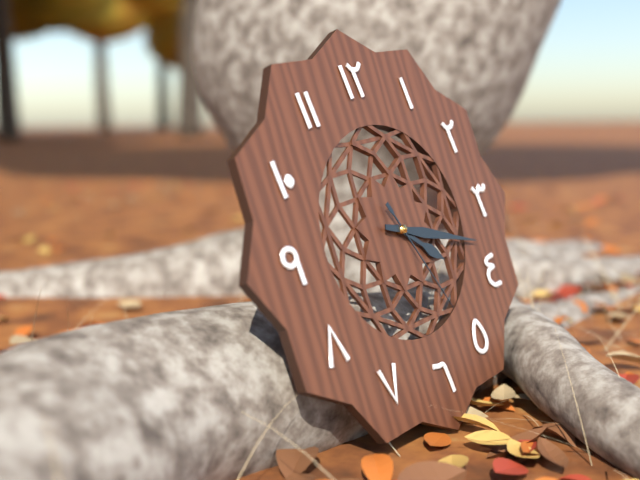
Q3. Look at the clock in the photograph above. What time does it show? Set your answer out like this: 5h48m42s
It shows 4h18m26s
